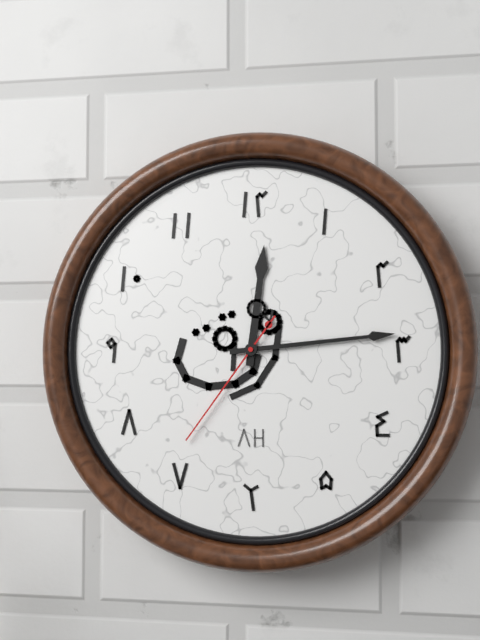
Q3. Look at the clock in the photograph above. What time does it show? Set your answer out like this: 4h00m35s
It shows 12h14m36s
